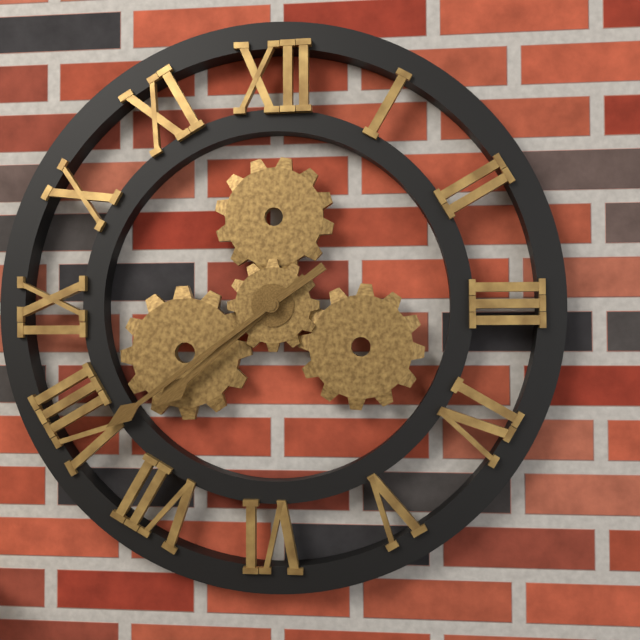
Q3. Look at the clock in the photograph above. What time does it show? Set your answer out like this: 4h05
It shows 7h39
